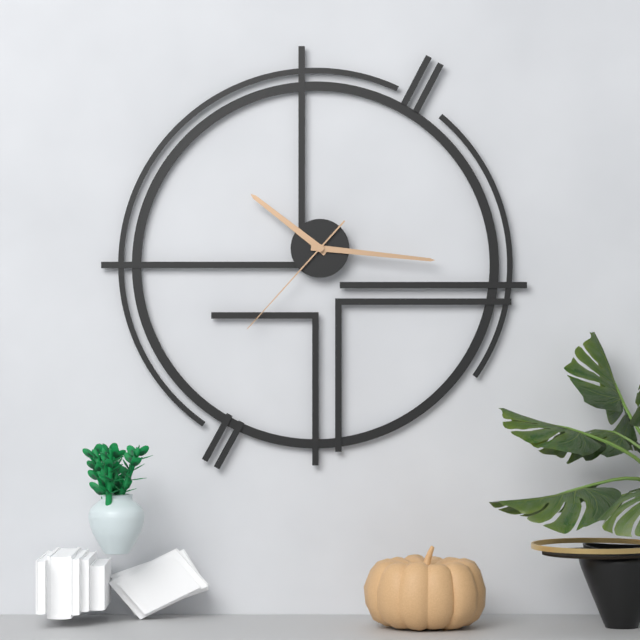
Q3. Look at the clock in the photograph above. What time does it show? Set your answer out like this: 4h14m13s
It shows 10h16m37s
